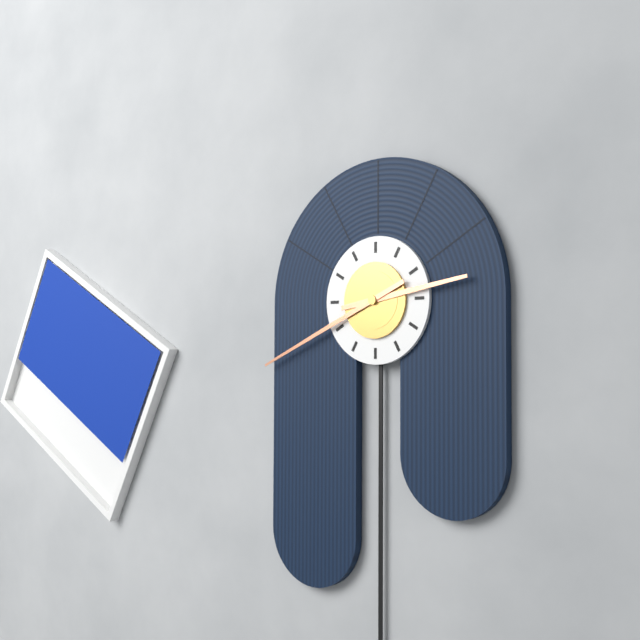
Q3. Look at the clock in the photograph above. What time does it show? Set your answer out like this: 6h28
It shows 2h41
